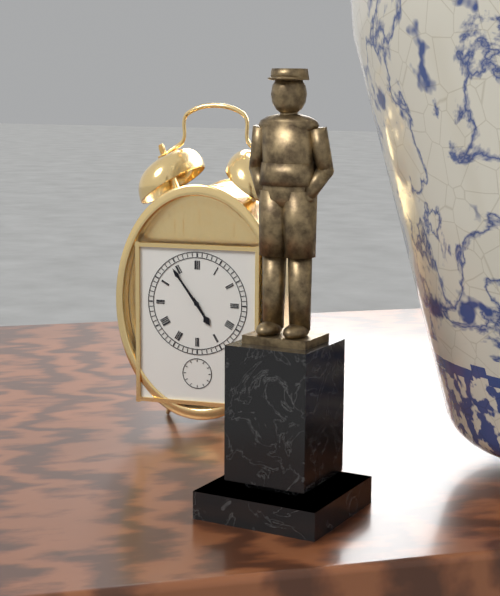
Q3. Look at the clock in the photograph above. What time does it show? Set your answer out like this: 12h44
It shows 4h54
